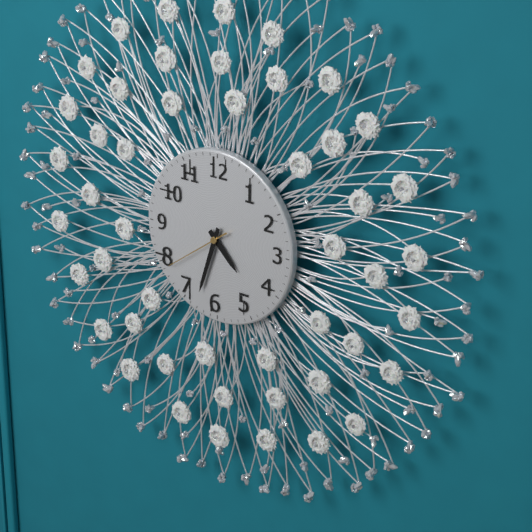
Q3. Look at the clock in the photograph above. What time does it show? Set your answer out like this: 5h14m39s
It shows 4h33m39s
